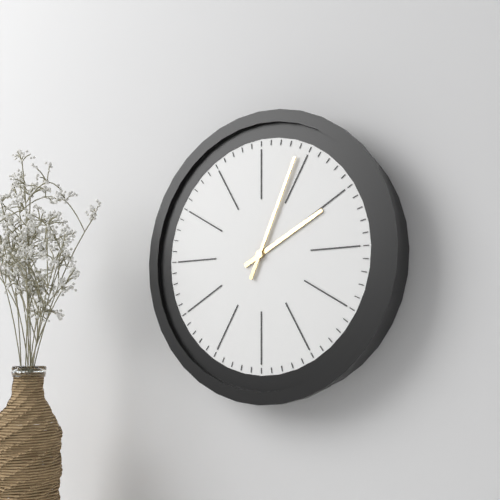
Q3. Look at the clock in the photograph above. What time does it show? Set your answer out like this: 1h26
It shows 2h04
